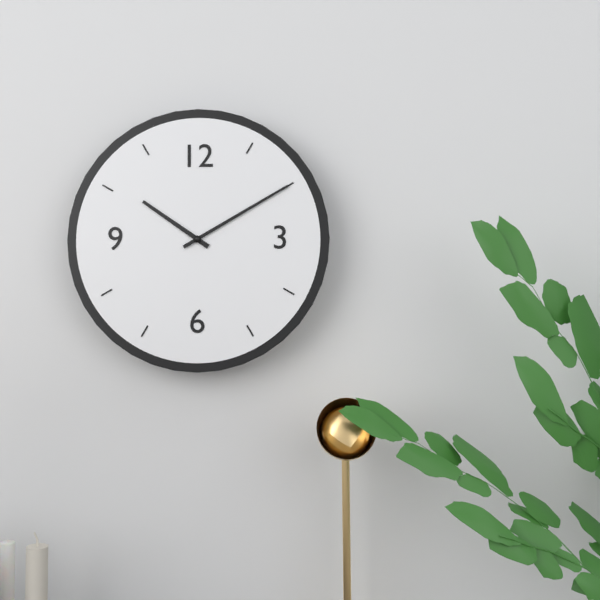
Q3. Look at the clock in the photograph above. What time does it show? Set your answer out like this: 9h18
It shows 10h10
